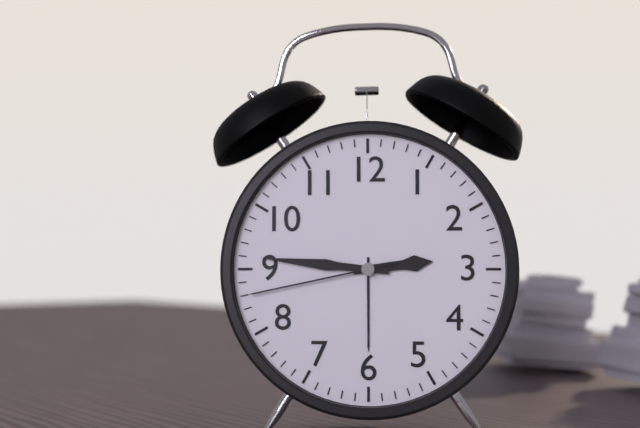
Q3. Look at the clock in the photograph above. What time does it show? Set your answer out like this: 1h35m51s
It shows 2h46m43s
